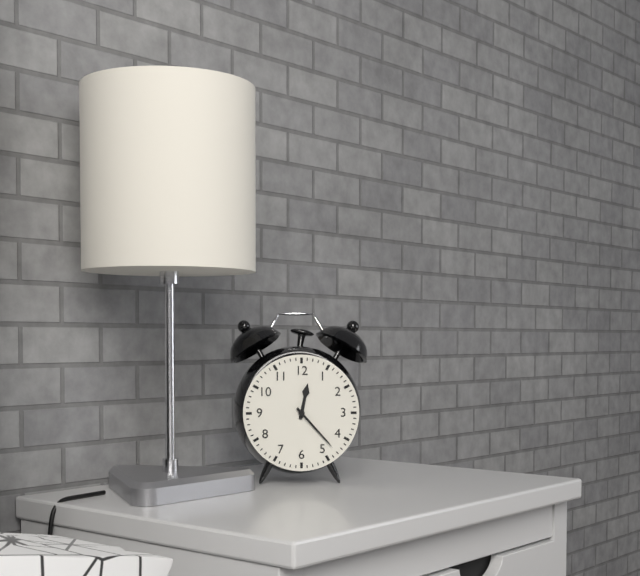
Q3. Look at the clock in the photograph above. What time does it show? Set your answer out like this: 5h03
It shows 12h23
